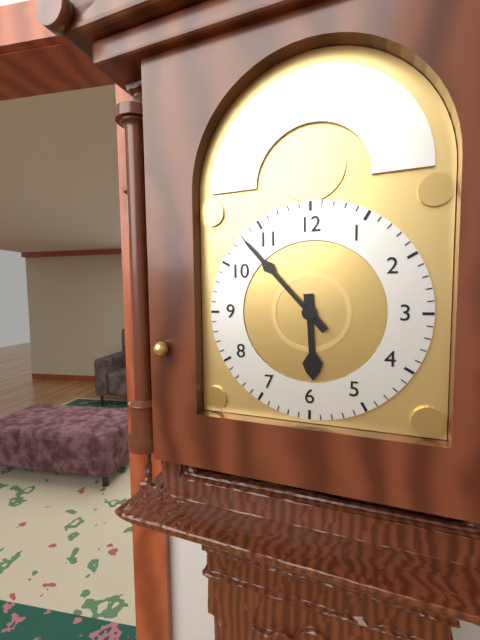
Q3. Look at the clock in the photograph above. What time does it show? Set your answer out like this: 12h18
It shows 5h53
